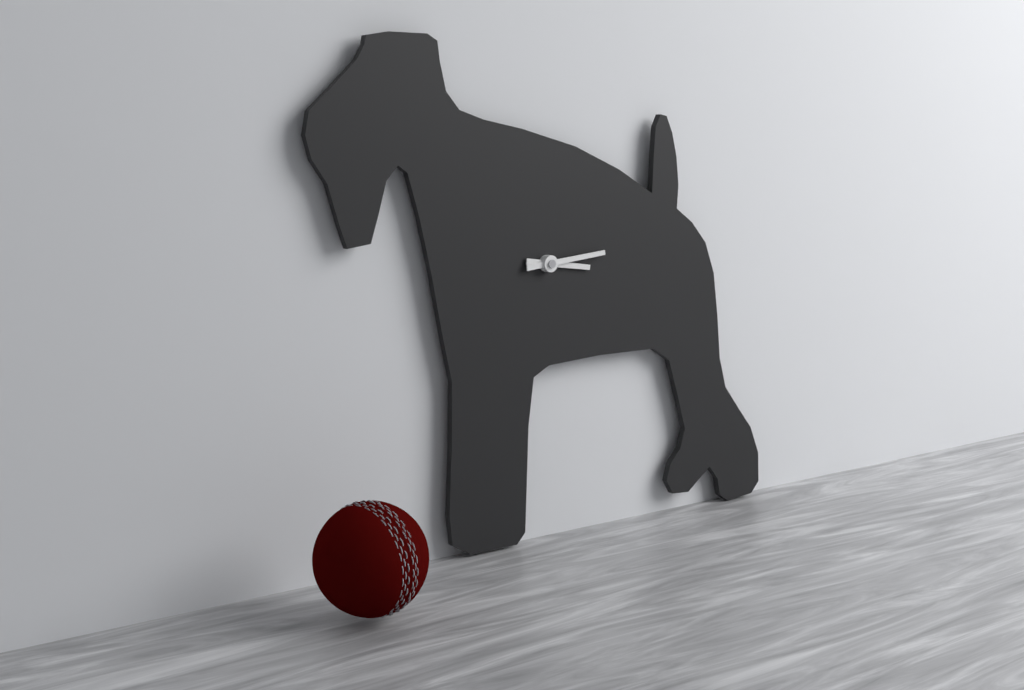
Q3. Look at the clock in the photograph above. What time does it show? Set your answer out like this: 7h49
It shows 3h14
